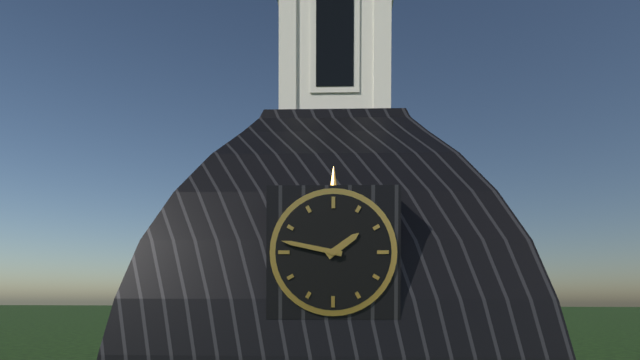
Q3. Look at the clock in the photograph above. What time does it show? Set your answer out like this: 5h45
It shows 1h47
